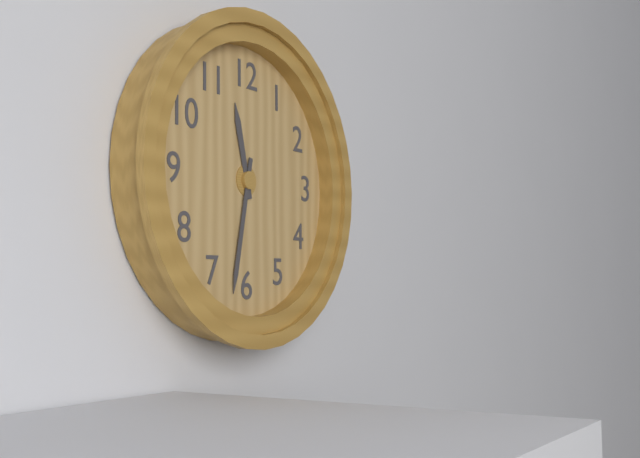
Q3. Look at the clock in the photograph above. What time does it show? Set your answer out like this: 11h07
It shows 11h32
